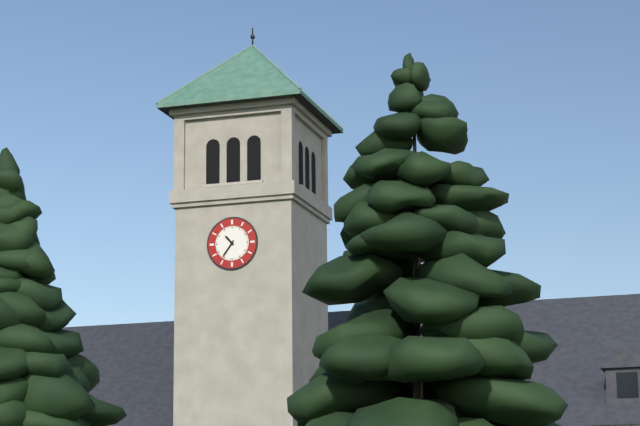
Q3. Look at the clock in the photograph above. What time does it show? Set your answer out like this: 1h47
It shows 10h36
